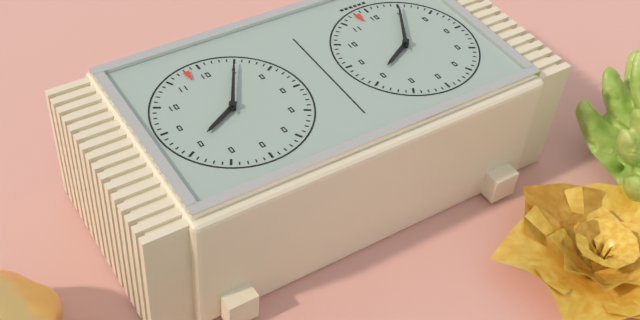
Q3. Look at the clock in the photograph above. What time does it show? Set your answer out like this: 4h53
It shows 8h05
